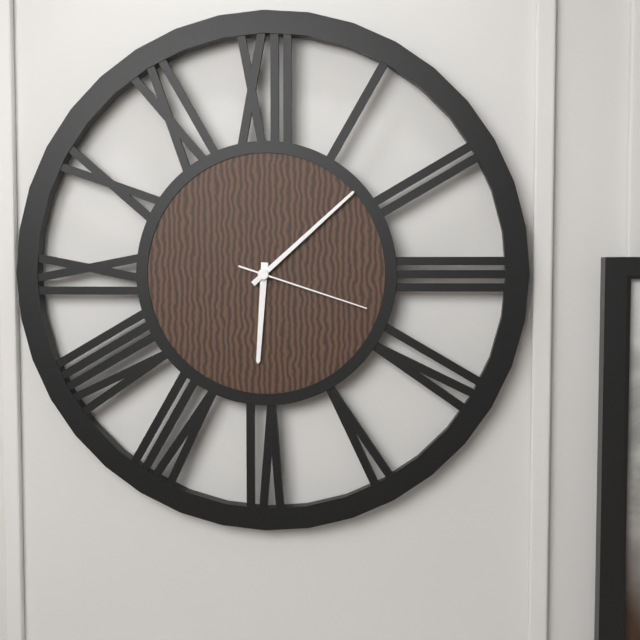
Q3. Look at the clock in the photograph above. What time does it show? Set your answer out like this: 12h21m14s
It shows 6h08m18s
